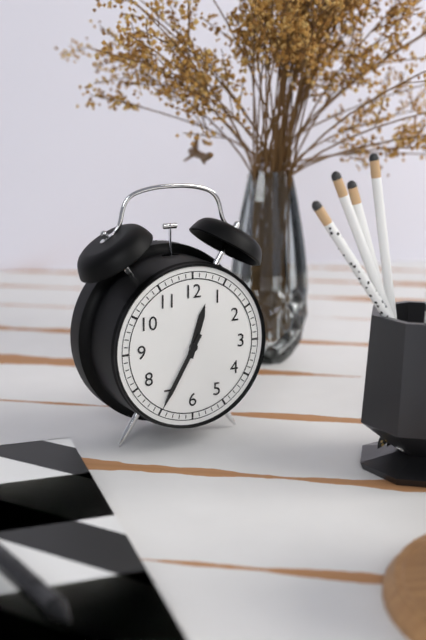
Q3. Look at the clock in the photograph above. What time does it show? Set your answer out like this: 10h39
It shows 12h35
